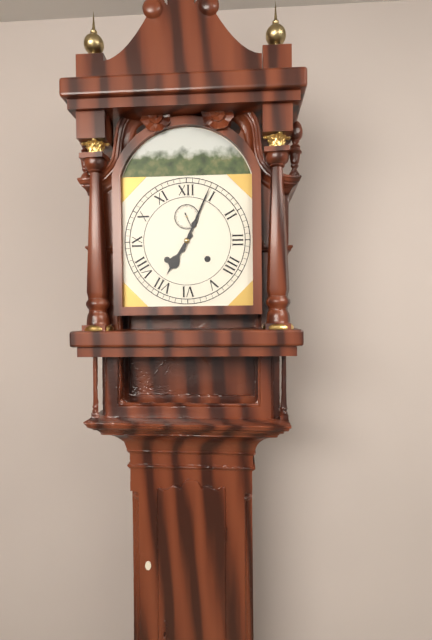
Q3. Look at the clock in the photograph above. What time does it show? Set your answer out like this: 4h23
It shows 7h04
